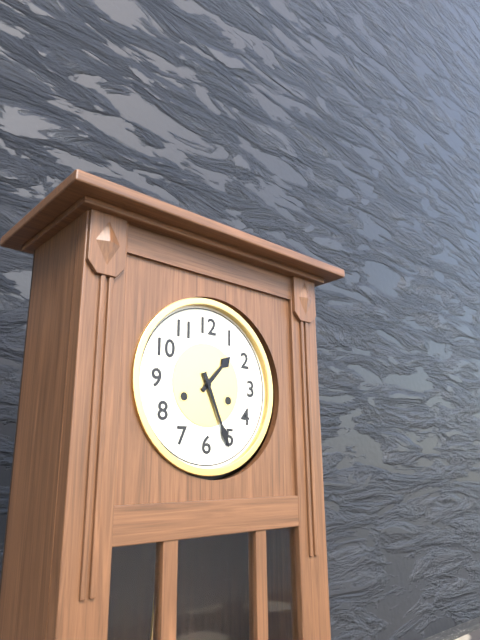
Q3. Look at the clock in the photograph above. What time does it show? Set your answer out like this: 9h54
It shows 1h26
